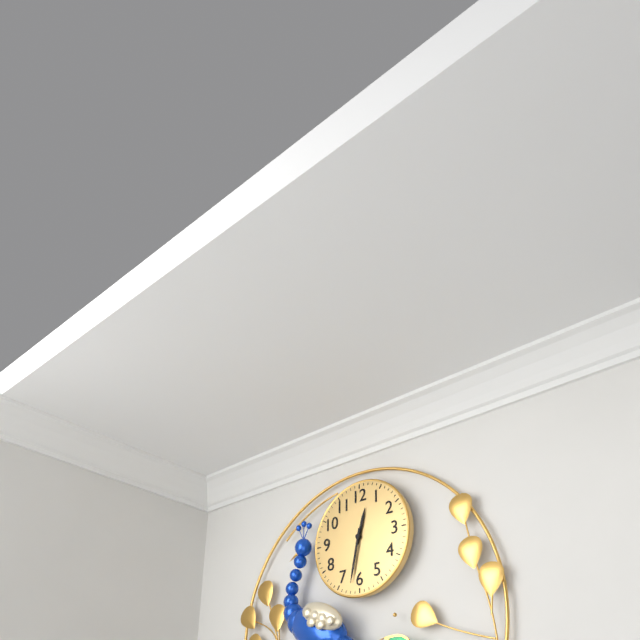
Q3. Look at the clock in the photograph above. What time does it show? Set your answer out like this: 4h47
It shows 12h32
